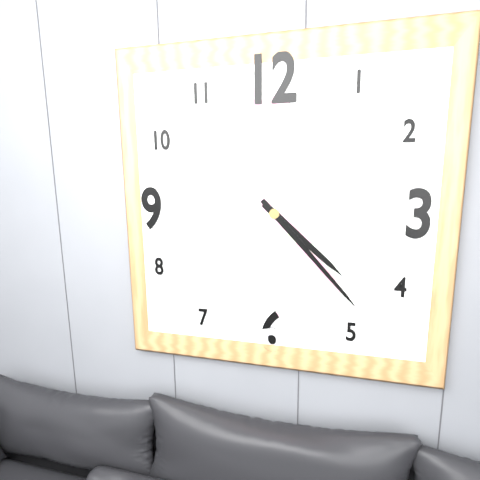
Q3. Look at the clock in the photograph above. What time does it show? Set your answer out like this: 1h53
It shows 4h23
